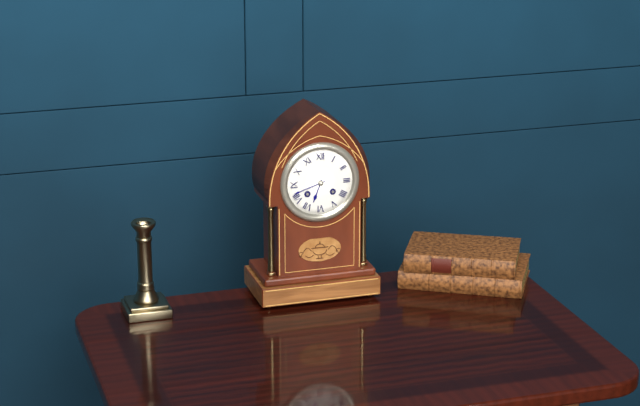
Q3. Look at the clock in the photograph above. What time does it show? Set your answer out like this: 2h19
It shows 6h42
